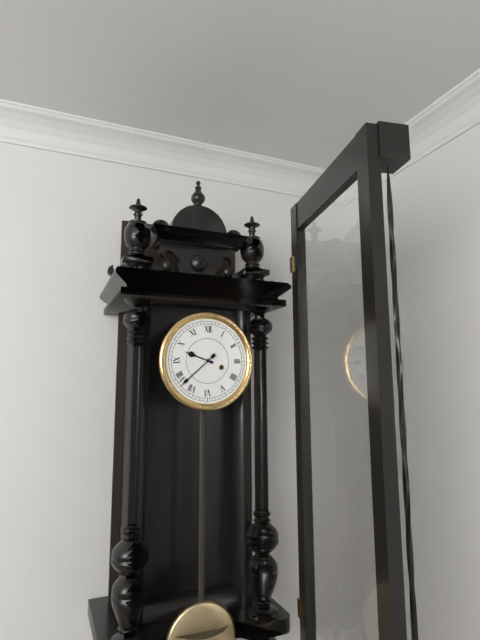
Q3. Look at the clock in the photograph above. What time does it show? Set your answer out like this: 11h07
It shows 9h38
